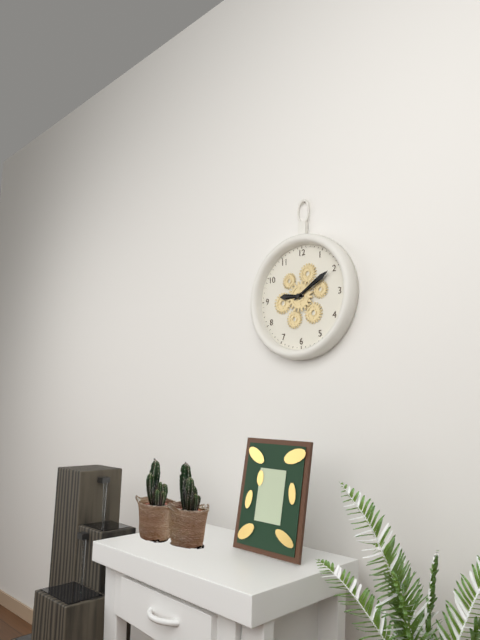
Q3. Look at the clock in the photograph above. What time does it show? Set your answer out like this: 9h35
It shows 9h10
